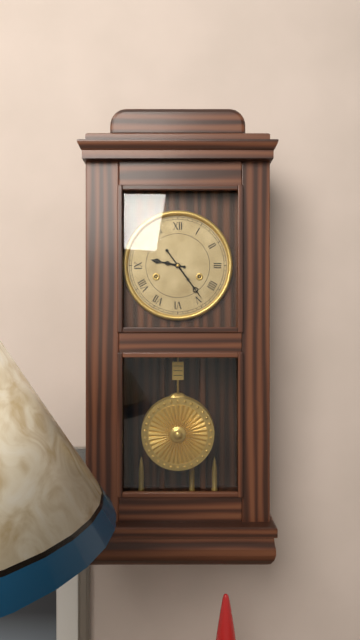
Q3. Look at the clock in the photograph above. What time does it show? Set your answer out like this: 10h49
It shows 9h24
